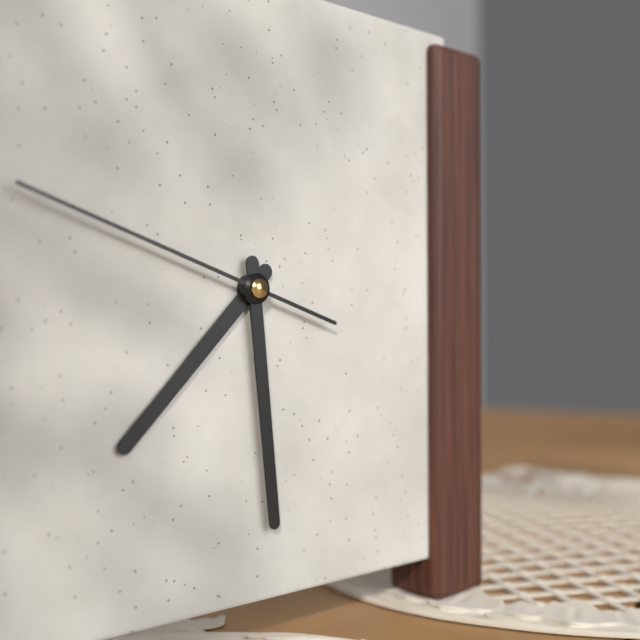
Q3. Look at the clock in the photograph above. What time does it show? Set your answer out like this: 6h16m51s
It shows 7h29m48s
